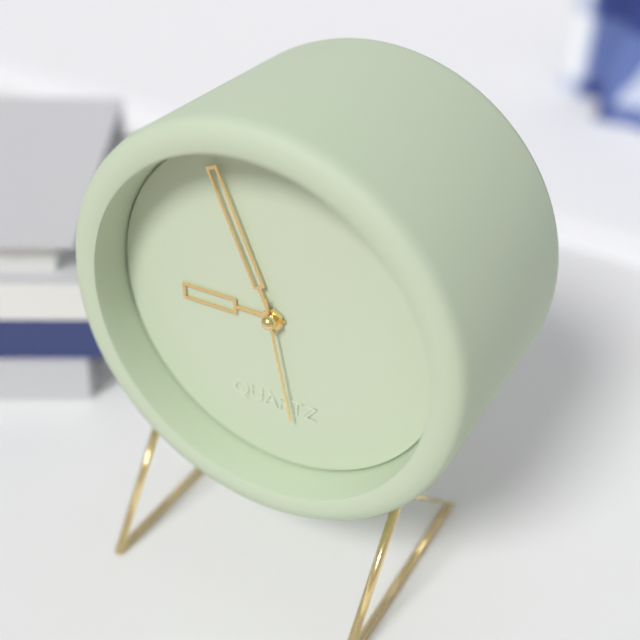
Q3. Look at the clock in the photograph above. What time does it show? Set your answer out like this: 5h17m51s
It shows 8h56m28s
